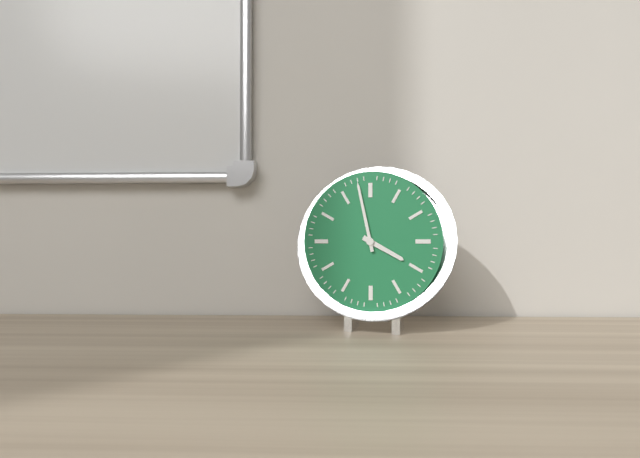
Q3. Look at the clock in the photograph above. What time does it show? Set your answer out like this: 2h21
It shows 3h58
